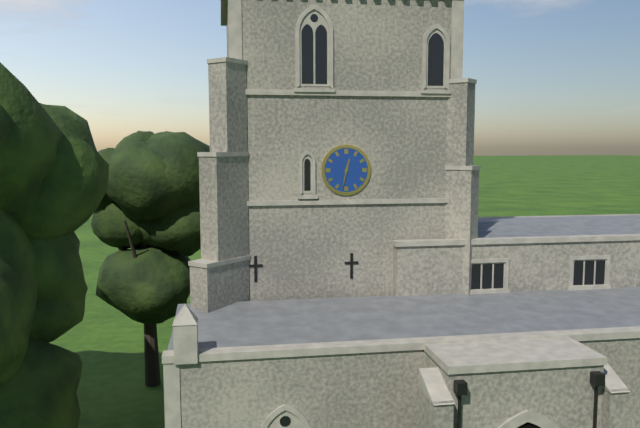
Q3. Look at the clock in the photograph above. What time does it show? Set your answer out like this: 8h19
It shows 12h32
